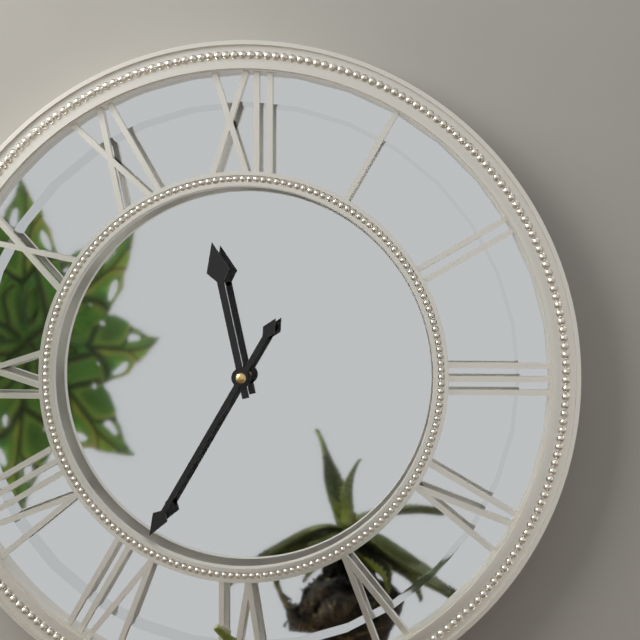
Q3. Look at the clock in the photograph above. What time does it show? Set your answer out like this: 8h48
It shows 11h35
